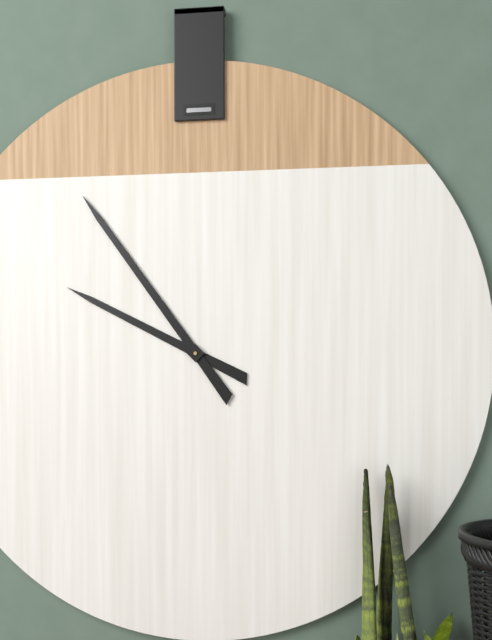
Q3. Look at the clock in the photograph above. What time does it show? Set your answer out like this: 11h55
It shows 9h54
